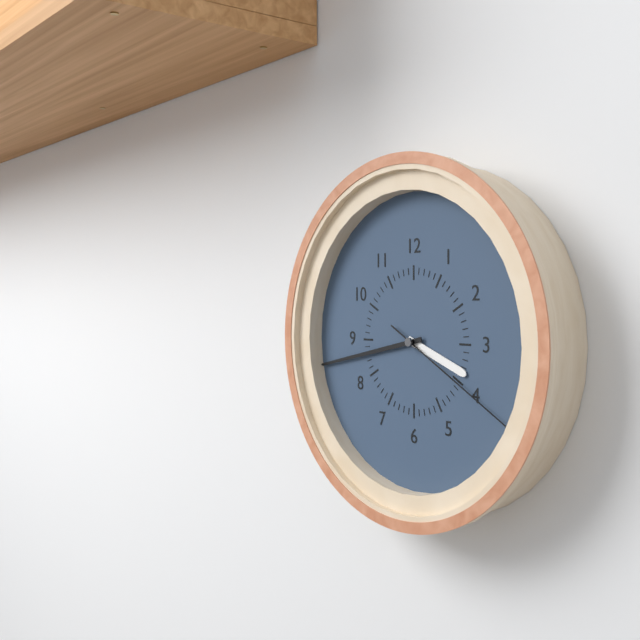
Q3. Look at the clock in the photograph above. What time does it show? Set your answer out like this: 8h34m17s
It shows 3h43m20s
